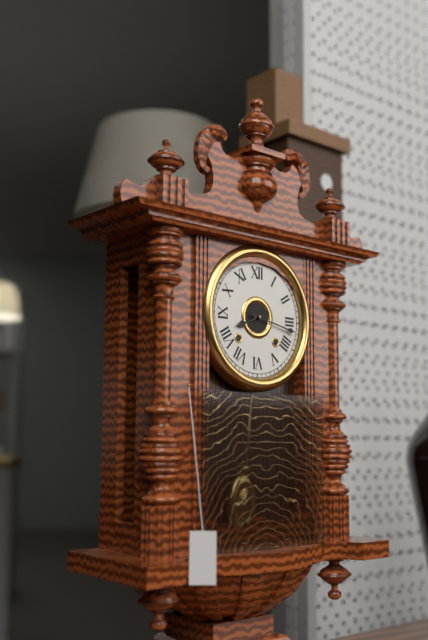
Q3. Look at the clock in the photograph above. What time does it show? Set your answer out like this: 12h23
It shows 8h17
